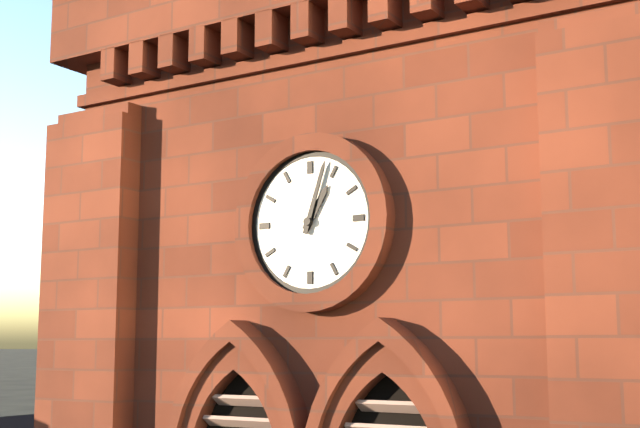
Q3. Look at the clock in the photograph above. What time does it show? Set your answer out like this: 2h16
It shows 1h03
